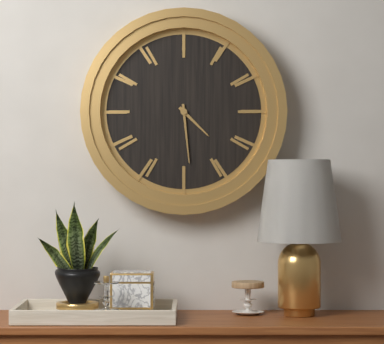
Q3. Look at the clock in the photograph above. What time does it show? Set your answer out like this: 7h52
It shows 4h29
